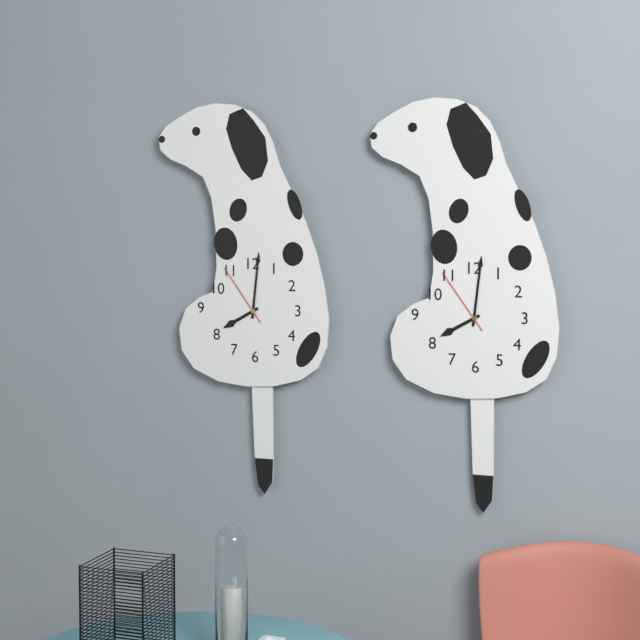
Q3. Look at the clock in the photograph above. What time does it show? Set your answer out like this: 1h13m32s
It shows 8h01m54s
